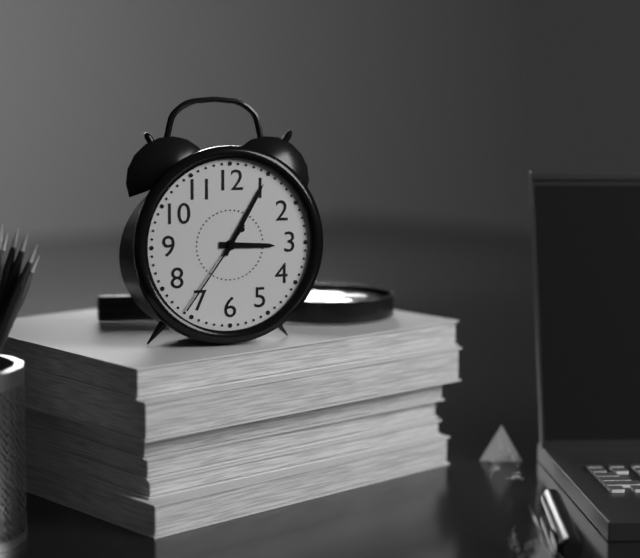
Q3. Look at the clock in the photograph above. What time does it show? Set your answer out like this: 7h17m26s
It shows 3h05m36s
